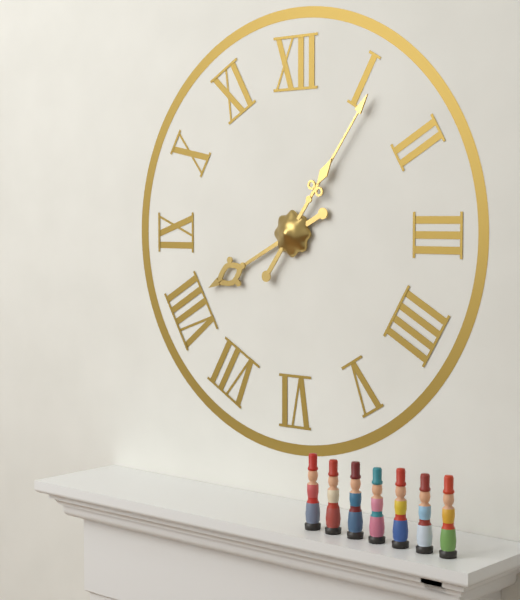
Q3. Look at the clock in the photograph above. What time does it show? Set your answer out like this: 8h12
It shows 8h06
